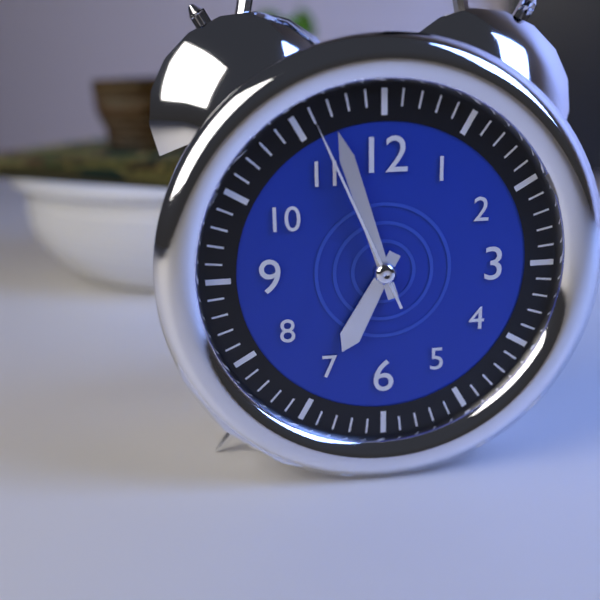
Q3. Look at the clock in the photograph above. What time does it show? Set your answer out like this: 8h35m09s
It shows 6h57m56s
